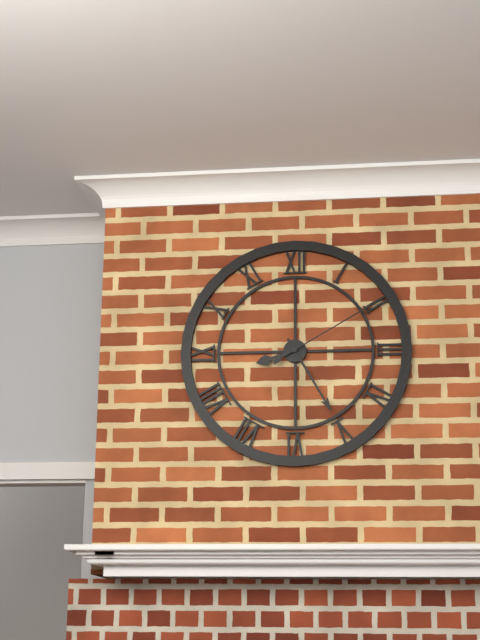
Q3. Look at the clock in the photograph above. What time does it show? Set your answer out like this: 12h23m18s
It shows 8h25m10s
